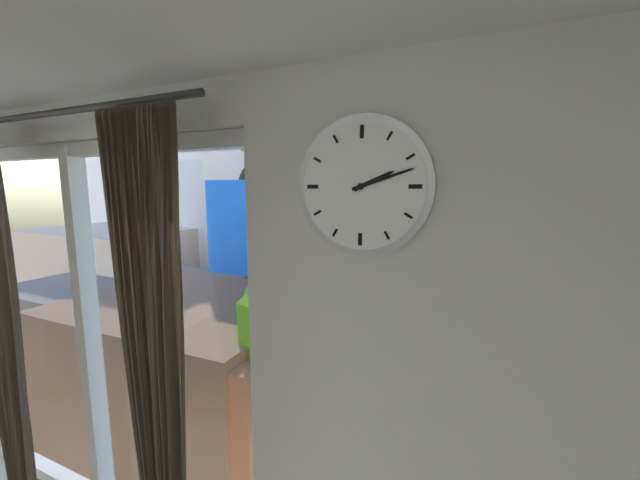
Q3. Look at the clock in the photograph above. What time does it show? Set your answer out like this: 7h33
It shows 2h12
